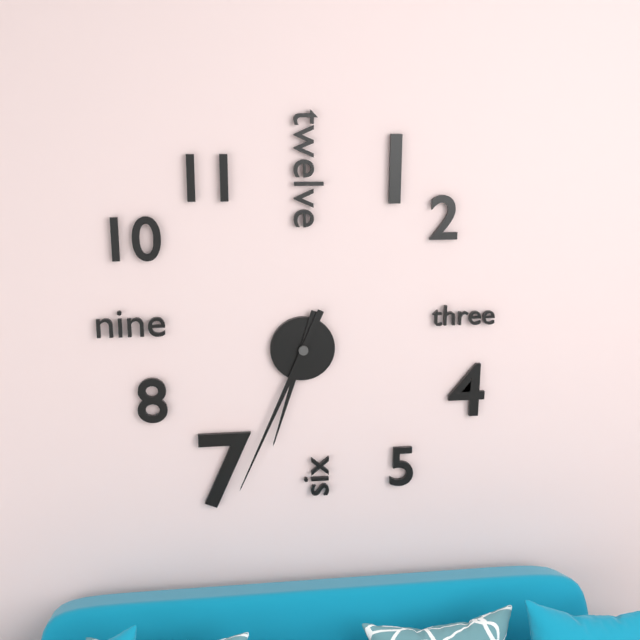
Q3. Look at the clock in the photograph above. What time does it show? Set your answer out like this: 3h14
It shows 6h34
